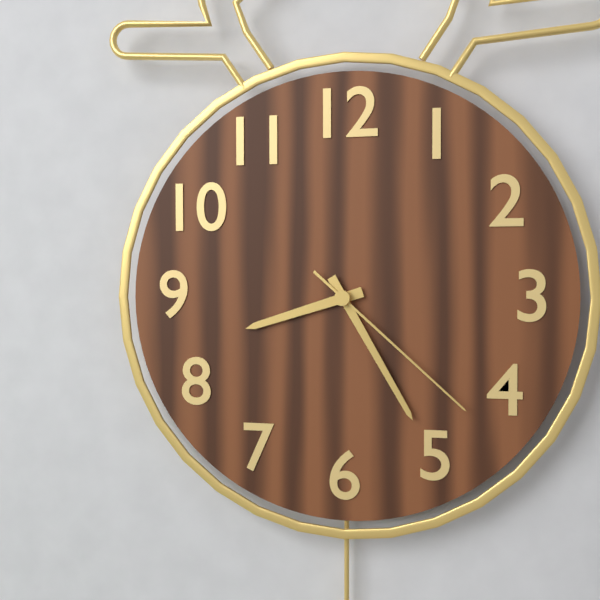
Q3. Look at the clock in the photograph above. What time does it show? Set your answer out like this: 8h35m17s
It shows 8h25m22s
